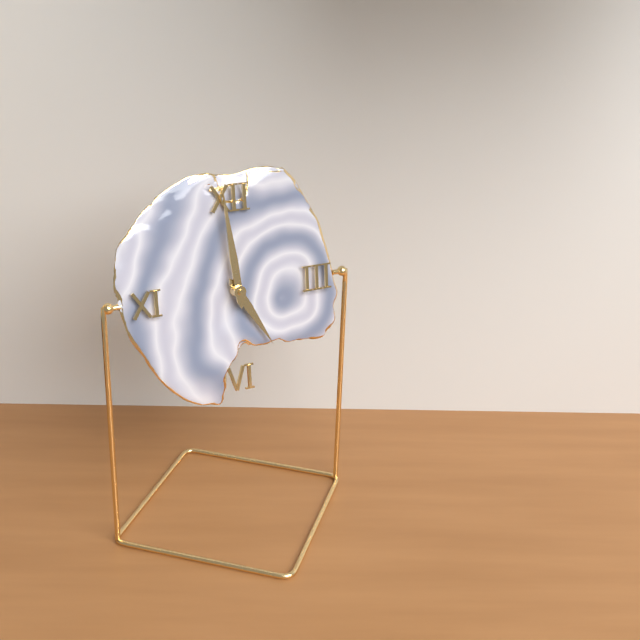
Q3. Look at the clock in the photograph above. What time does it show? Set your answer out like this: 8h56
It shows 4h59
